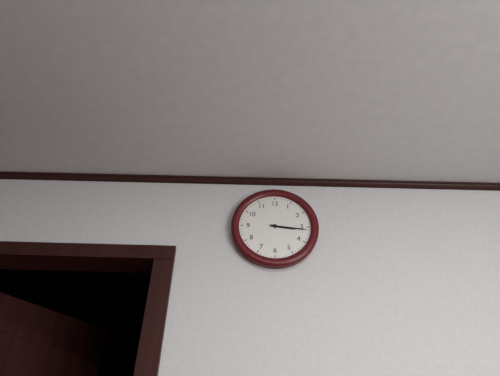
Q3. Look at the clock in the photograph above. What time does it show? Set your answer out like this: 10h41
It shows 3h16
